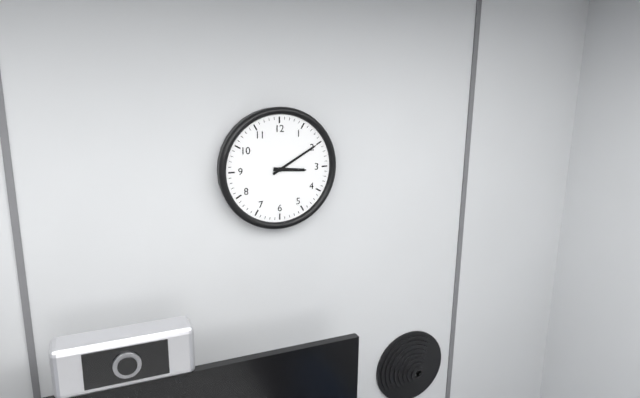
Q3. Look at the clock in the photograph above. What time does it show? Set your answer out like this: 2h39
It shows 3h10
